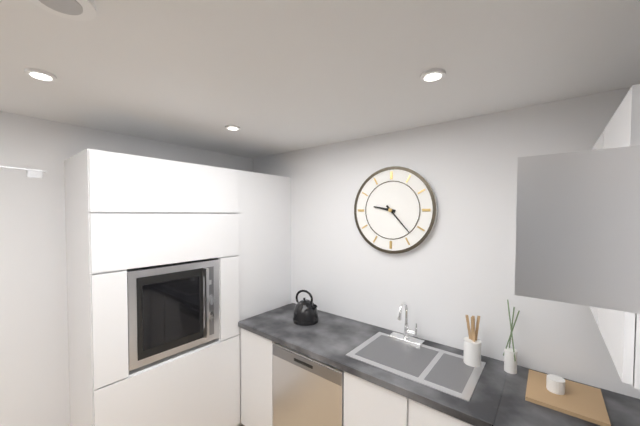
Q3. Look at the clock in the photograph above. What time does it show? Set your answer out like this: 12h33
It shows 9h23
